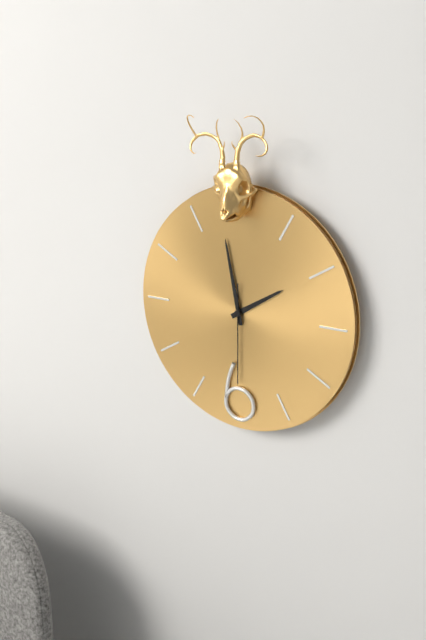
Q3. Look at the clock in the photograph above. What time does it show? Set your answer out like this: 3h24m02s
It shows 1h58m30s
